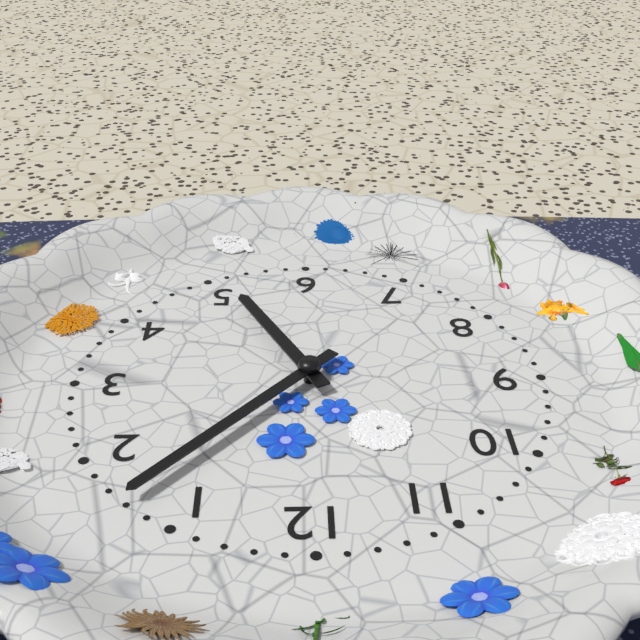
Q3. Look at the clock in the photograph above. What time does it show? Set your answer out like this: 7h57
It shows 5h07
